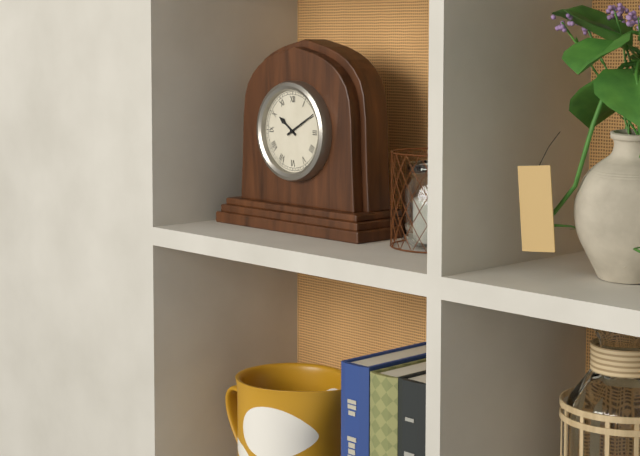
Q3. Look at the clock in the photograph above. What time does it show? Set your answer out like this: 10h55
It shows 10h10
